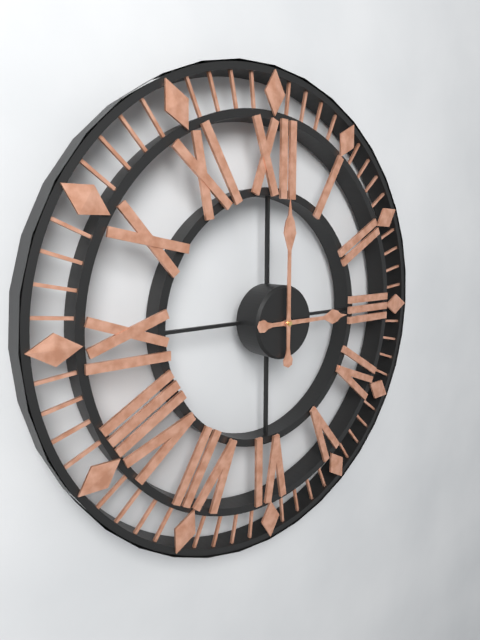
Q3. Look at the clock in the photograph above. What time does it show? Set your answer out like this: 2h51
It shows 3h00
